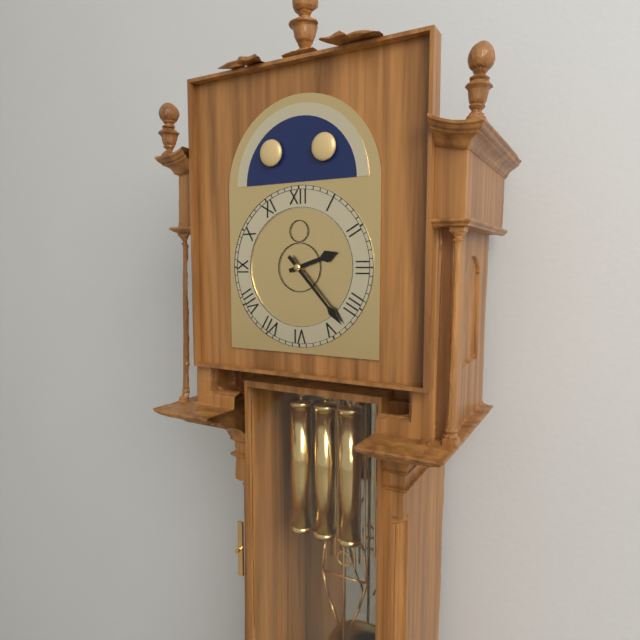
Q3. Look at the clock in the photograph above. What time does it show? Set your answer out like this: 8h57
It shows 2h23
